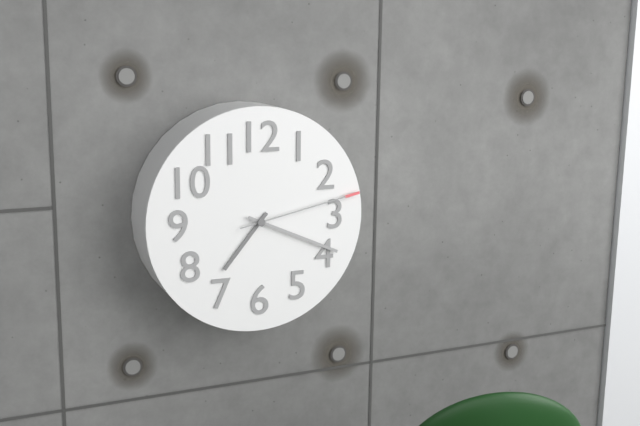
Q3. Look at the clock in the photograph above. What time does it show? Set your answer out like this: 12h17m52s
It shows 7h19m13s
